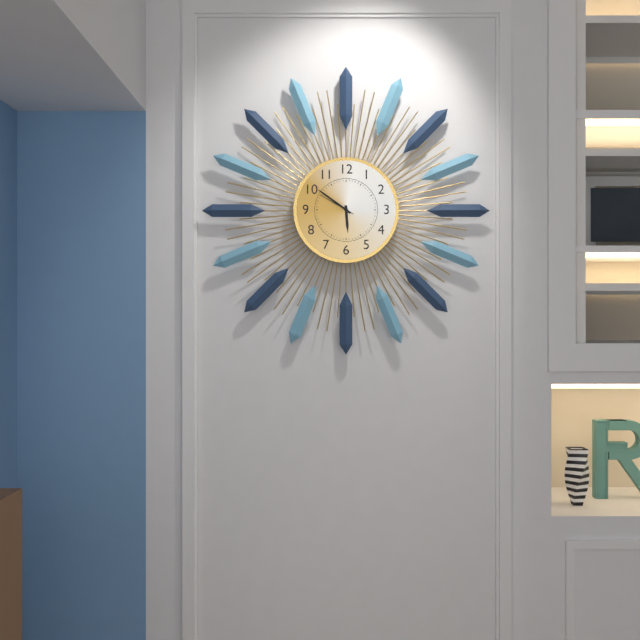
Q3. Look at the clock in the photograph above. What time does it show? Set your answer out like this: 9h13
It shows 5h51
